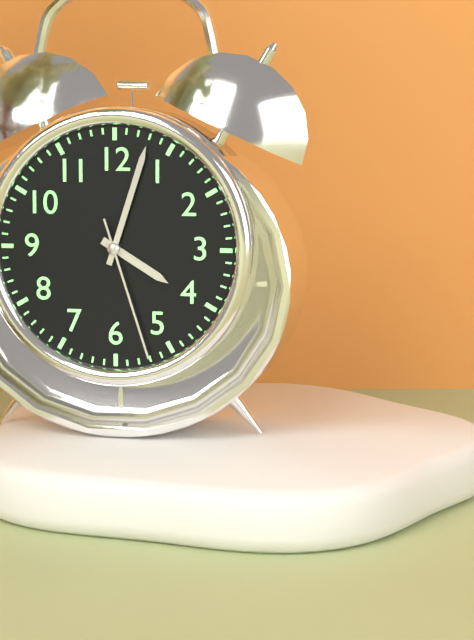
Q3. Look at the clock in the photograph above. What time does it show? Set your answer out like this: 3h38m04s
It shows 4h03m27s
